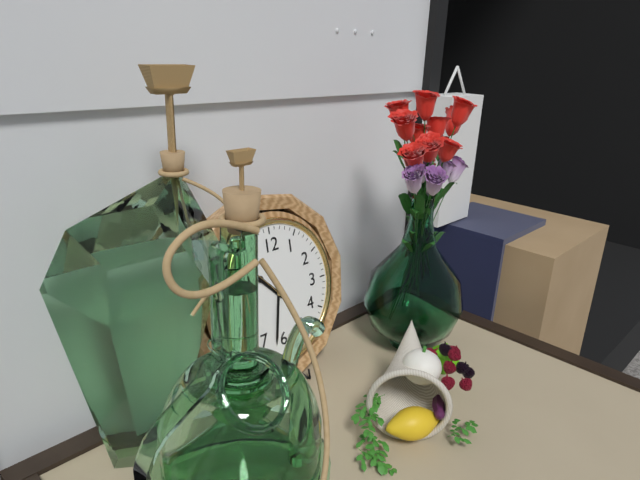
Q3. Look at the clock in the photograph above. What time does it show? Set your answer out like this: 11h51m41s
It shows 10h32m53s
